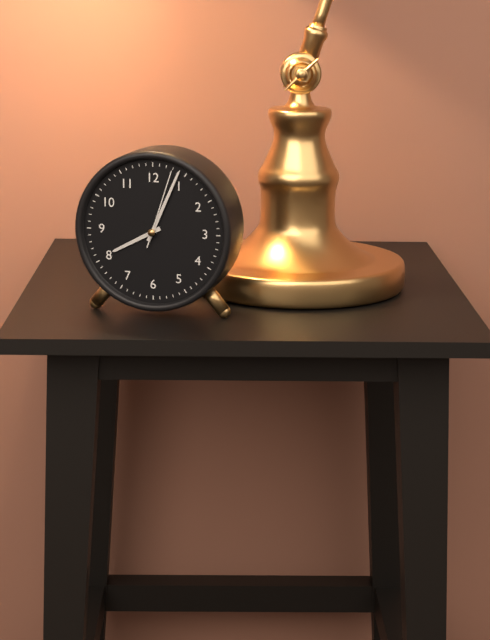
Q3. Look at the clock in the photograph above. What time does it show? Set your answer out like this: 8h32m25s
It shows 8h04m03s
